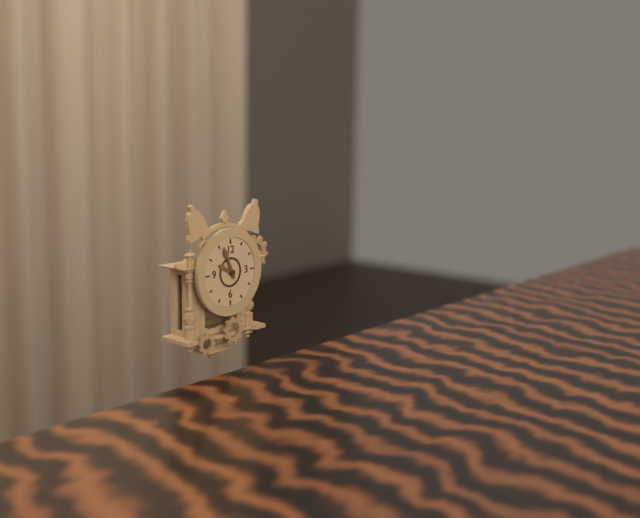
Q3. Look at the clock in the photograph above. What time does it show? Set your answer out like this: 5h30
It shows 9h56
